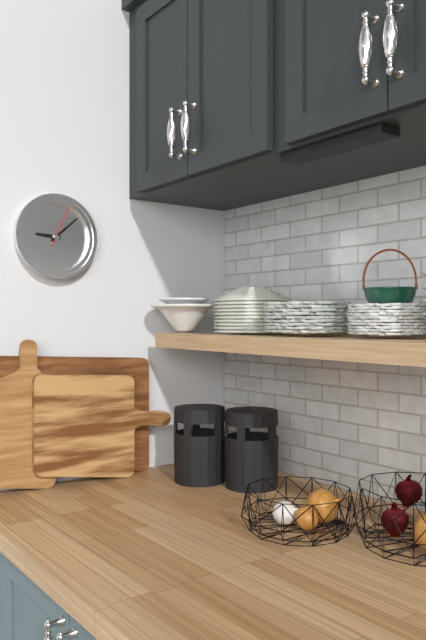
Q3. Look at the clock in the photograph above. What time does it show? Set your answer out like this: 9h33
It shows 9h08
